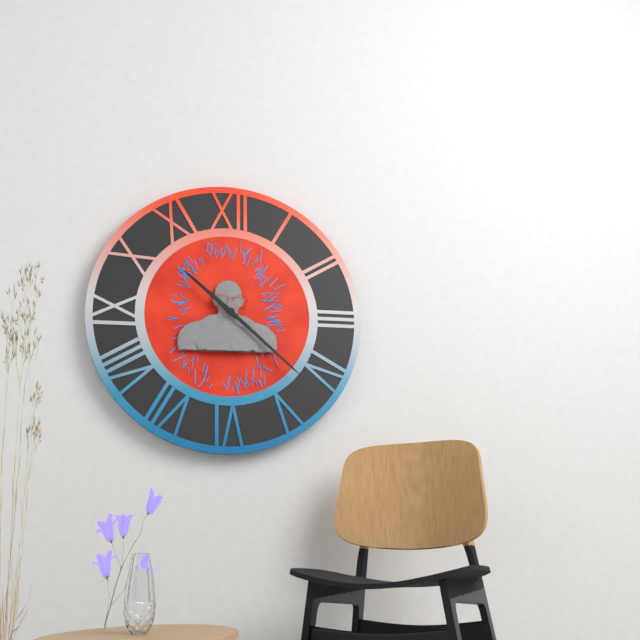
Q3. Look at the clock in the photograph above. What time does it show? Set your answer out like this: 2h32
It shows 10h22
